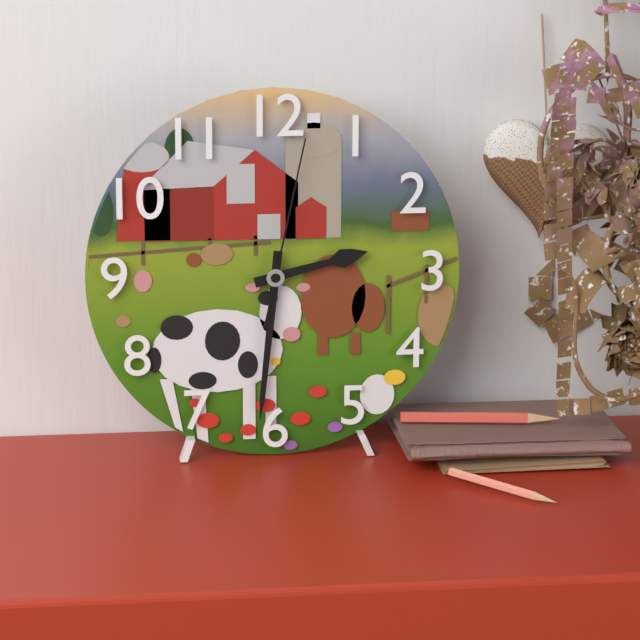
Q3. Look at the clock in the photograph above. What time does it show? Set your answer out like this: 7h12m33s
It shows 2h31m02s
